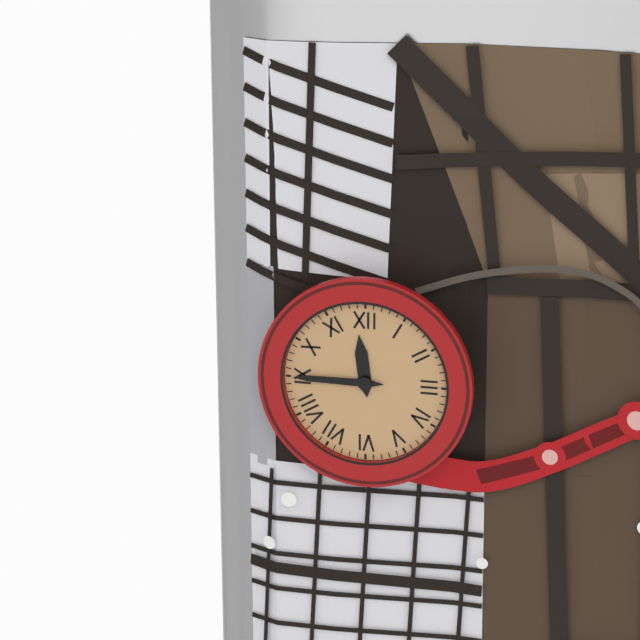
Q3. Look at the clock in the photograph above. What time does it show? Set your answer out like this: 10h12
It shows 11h45
